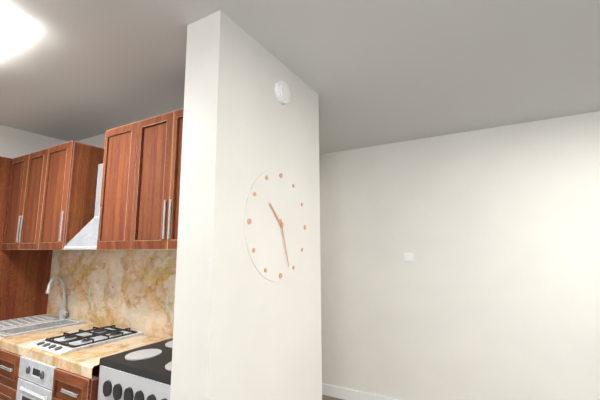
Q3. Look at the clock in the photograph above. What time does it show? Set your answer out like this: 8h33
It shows 10h27
